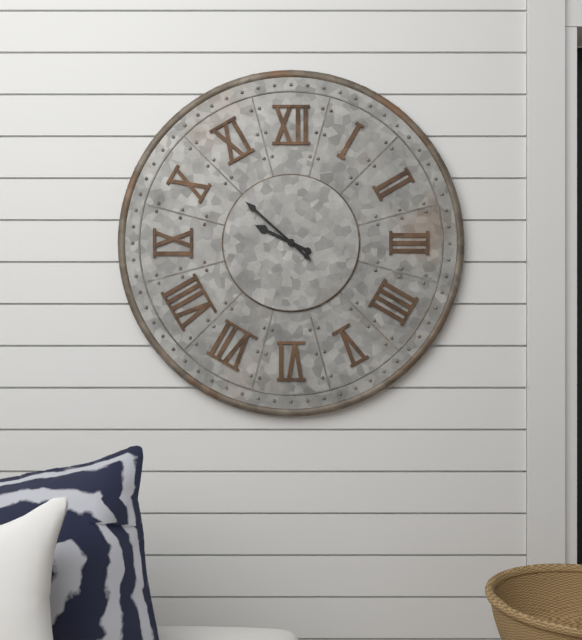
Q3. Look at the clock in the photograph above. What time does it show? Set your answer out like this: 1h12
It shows 9h52
